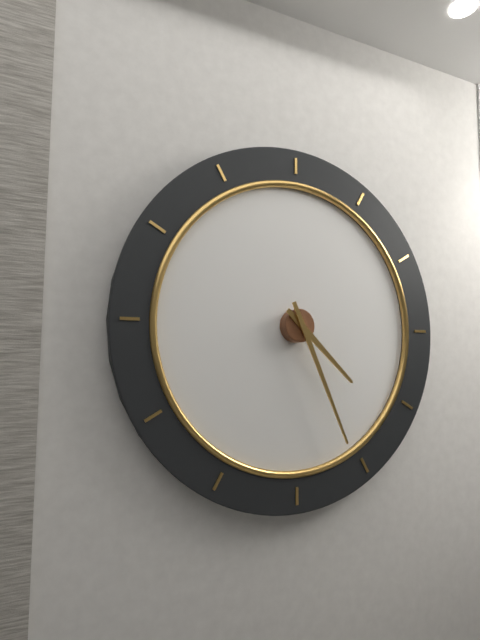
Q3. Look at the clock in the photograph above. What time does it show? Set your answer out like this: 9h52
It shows 4h26
